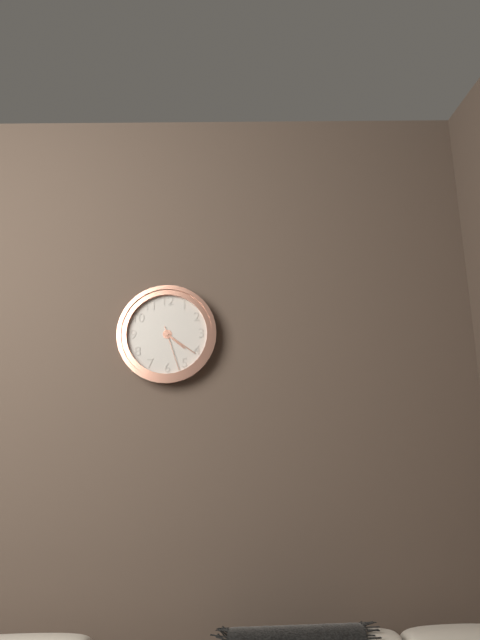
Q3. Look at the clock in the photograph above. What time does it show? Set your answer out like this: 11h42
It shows 4h21
